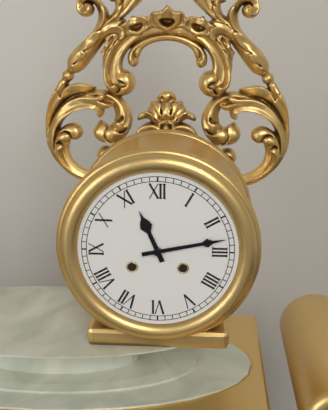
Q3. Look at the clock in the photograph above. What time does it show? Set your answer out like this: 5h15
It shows 11h13
